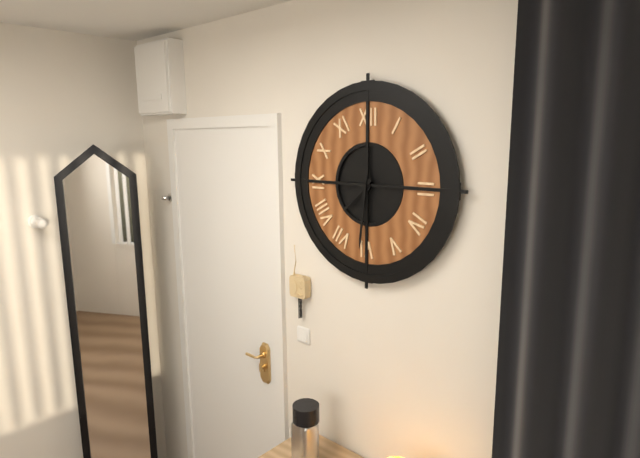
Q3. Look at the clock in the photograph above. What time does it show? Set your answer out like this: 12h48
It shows 7h31
